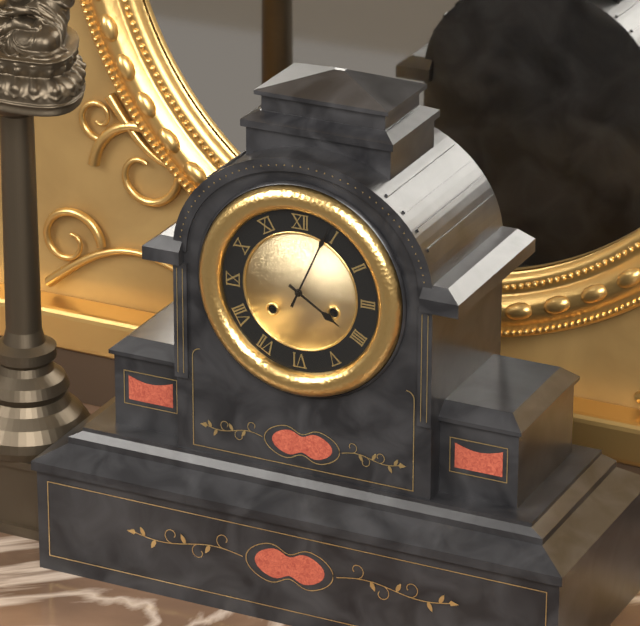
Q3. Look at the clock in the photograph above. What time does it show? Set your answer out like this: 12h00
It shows 4h04
